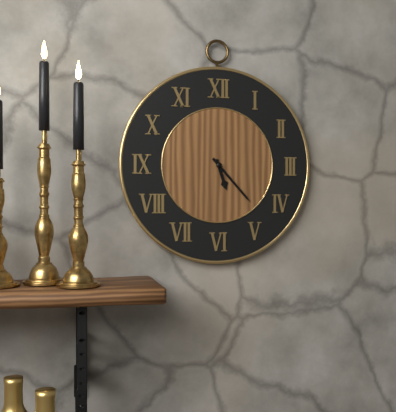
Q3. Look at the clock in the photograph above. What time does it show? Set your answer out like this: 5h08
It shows 5h23
